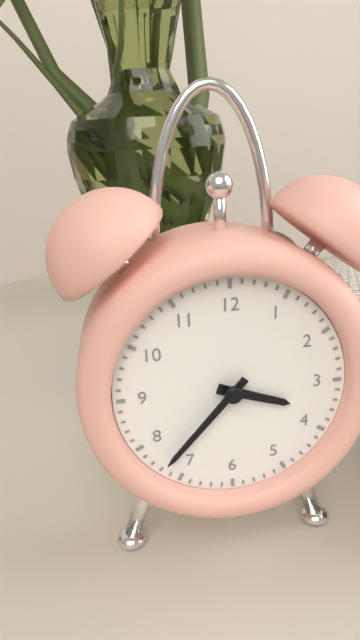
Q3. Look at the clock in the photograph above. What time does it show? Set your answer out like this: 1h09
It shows 3h37
